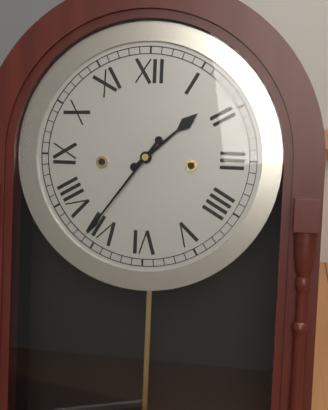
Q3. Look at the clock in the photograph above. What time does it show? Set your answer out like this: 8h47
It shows 1h36
